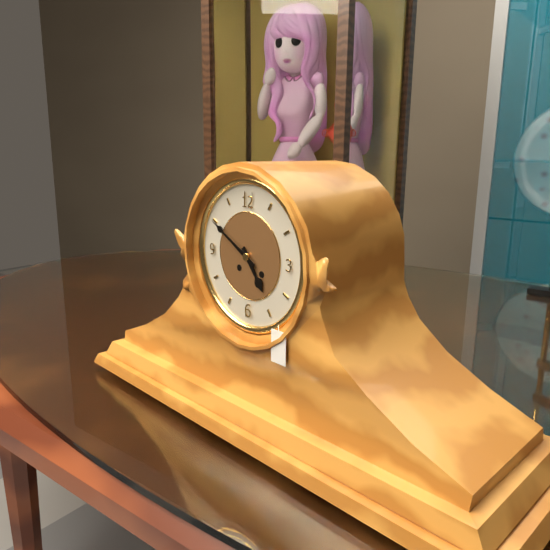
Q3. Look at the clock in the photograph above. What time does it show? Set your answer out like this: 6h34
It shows 4h50
